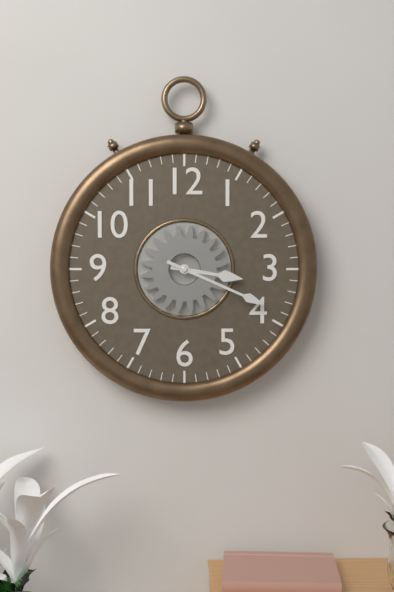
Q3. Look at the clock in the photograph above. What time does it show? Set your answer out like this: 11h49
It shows 3h19
